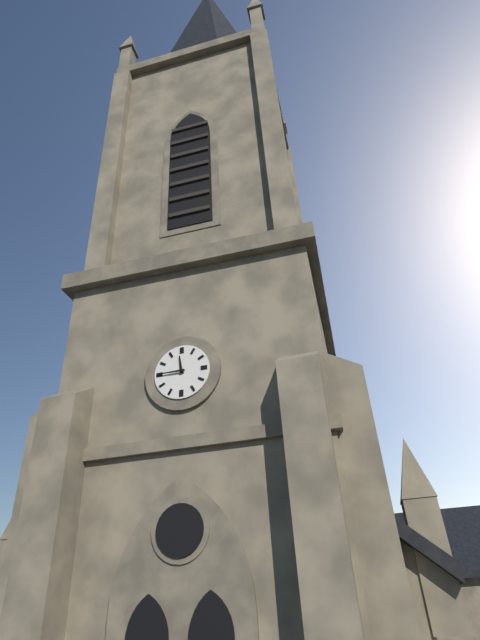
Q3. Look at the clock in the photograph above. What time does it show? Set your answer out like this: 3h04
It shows 11h45
